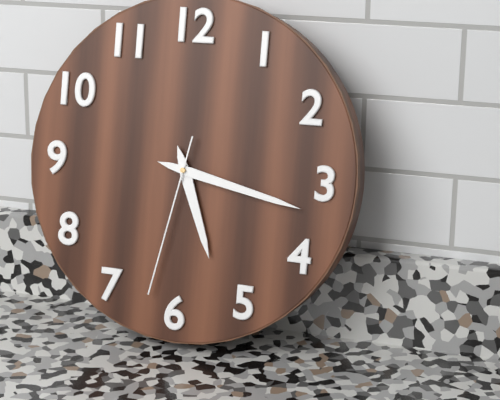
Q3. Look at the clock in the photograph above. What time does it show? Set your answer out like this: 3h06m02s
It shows 5h17m32s
